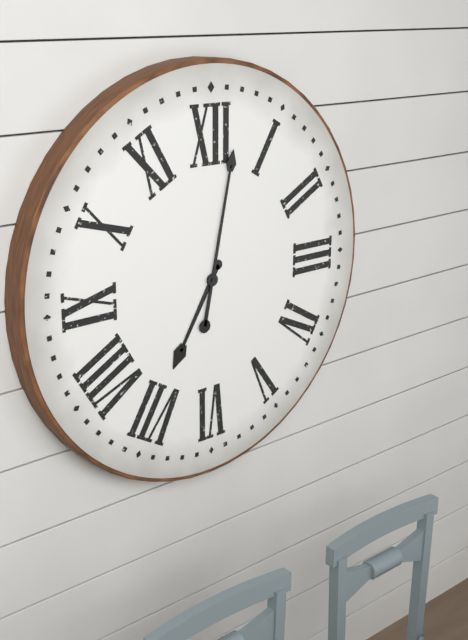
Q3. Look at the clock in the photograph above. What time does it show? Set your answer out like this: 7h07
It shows 7h02
